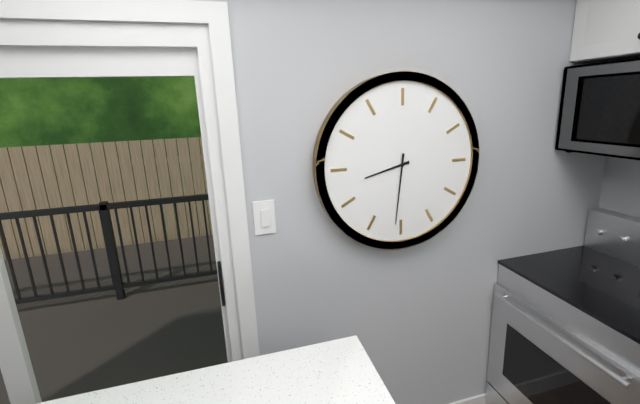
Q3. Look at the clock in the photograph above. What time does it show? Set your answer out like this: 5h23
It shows 8h31
